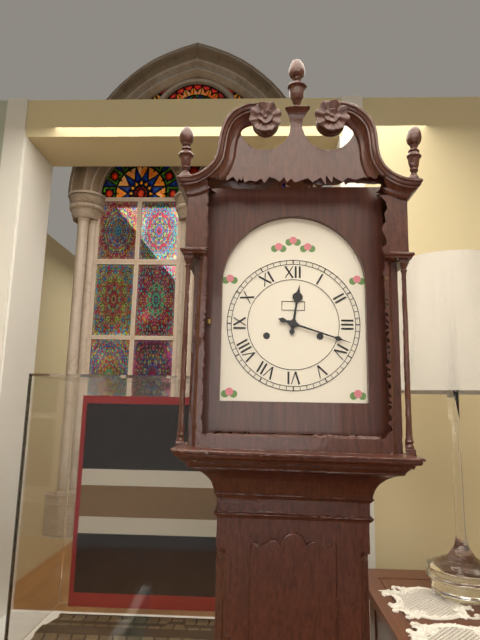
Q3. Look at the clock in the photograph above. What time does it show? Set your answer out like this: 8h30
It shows 12h18
